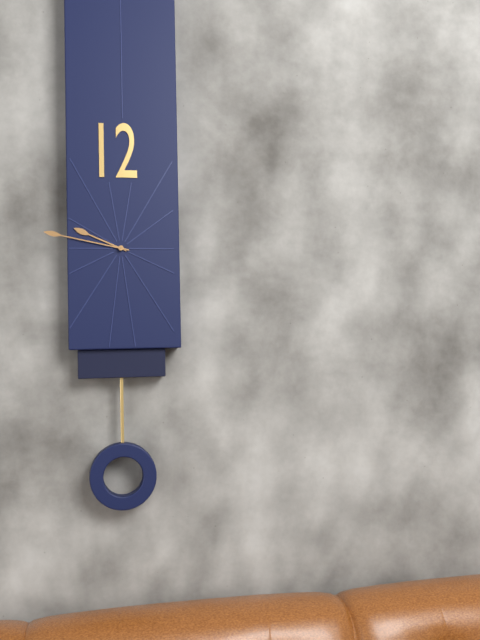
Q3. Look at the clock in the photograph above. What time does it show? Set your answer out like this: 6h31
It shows 9h47
